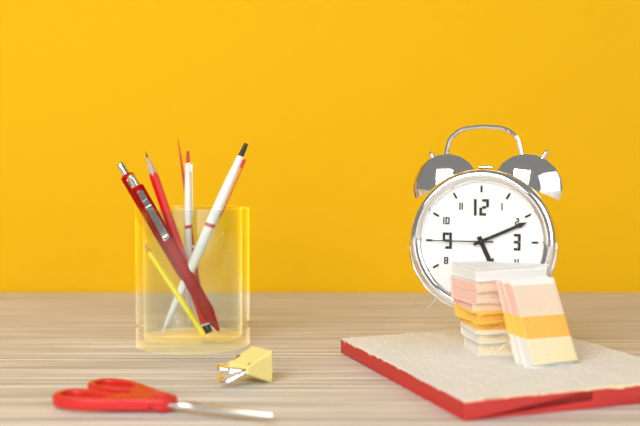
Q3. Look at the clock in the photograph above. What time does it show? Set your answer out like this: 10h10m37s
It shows 5h11m45s
